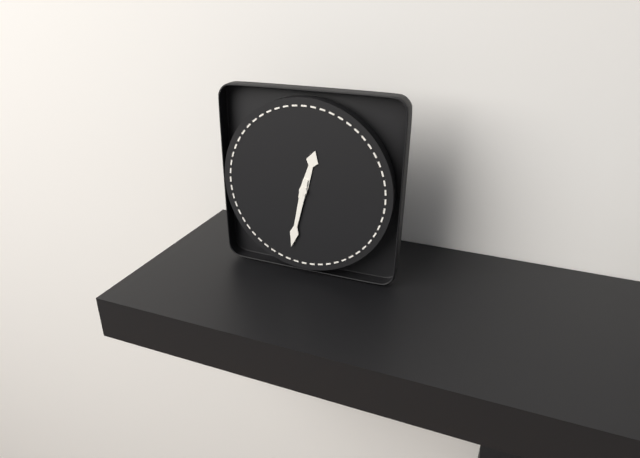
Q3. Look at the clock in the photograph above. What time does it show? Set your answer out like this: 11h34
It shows 12h32
